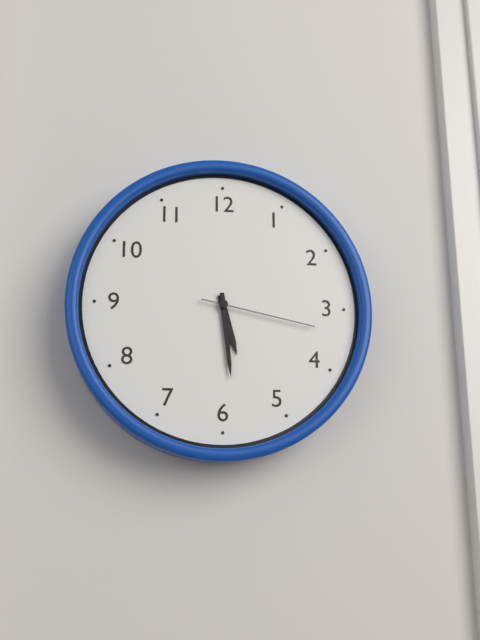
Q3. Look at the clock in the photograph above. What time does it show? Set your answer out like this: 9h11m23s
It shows 5h29m17s
